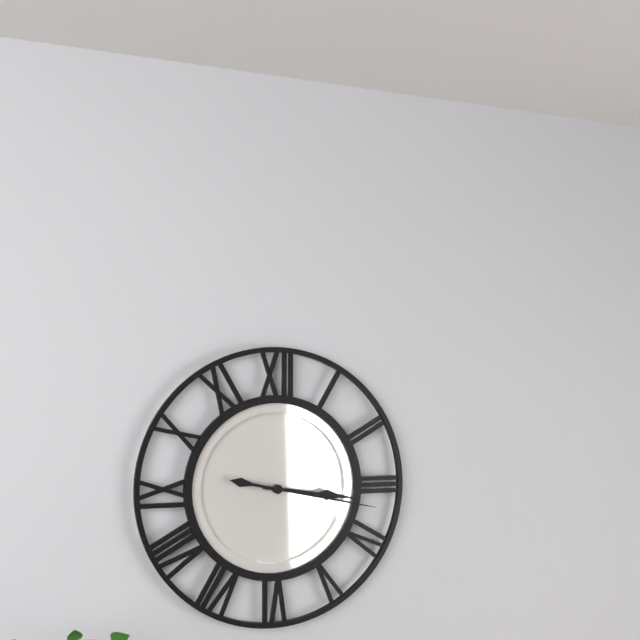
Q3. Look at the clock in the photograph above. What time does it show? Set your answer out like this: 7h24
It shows 3h17
